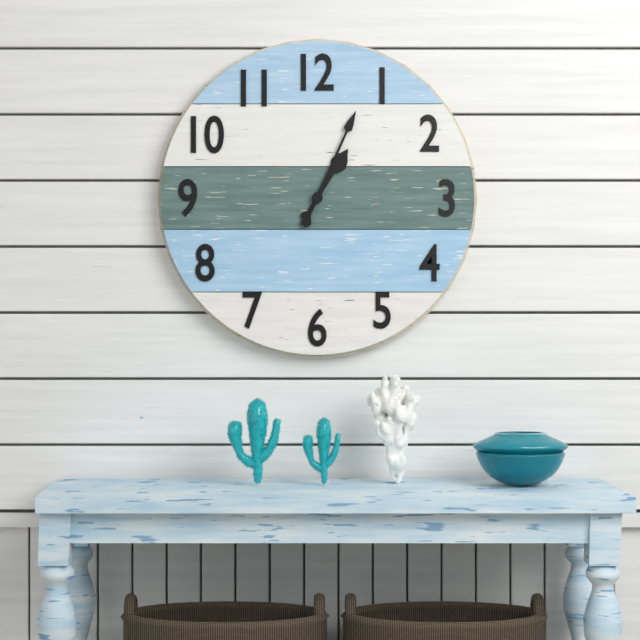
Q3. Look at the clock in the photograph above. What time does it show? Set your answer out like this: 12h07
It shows 1h04
